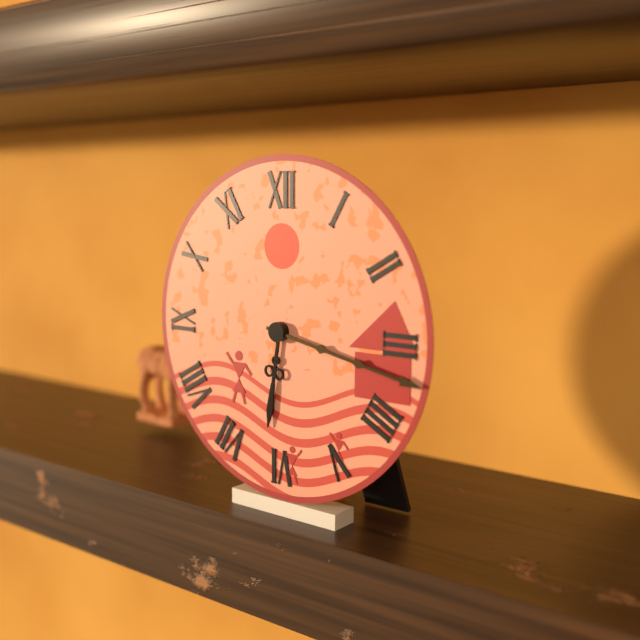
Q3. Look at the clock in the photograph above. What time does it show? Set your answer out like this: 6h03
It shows 6h17
